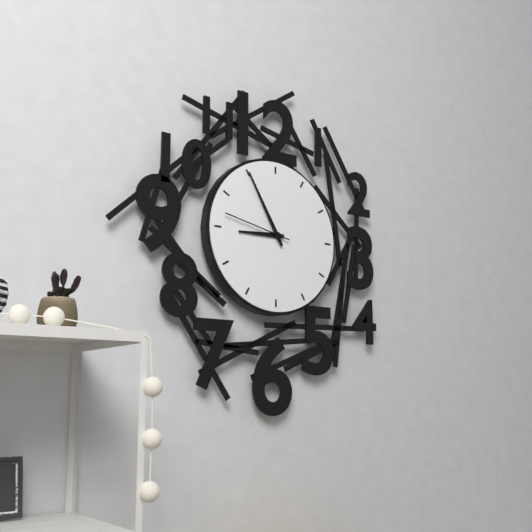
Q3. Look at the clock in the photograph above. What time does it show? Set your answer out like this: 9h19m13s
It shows 8h55m47s
